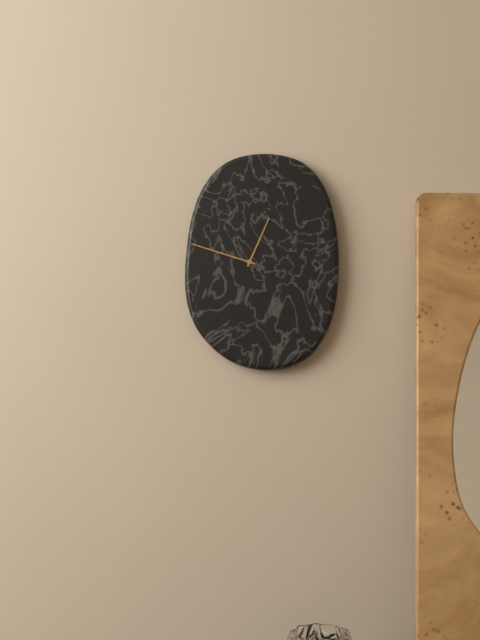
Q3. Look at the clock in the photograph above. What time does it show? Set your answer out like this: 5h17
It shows 12h48
